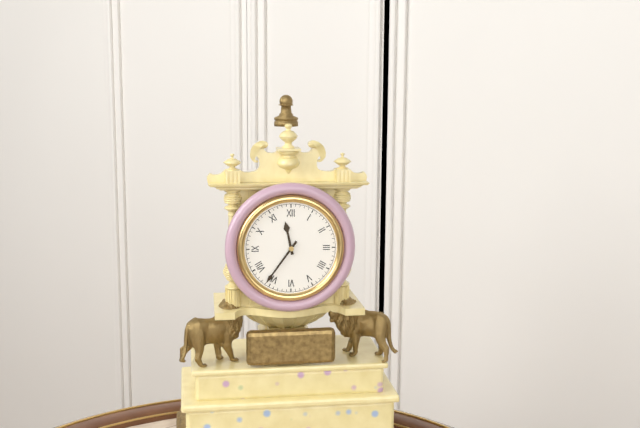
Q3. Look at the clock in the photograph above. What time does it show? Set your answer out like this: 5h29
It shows 11h36
